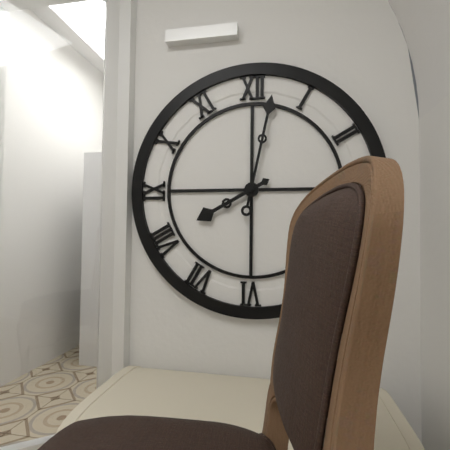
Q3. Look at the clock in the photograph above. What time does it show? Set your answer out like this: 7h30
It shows 8h02
